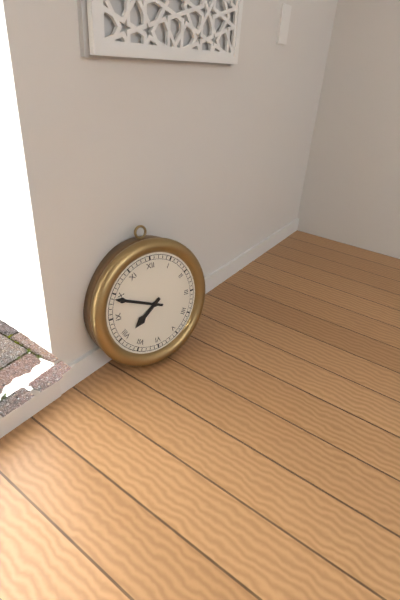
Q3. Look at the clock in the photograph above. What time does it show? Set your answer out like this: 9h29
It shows 7h49
